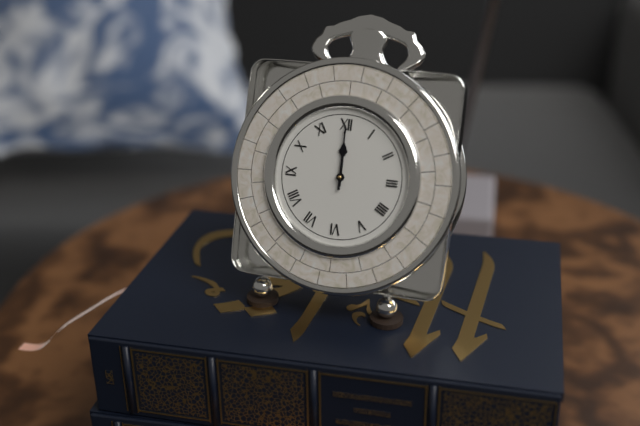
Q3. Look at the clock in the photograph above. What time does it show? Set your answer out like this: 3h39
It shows 12h00
